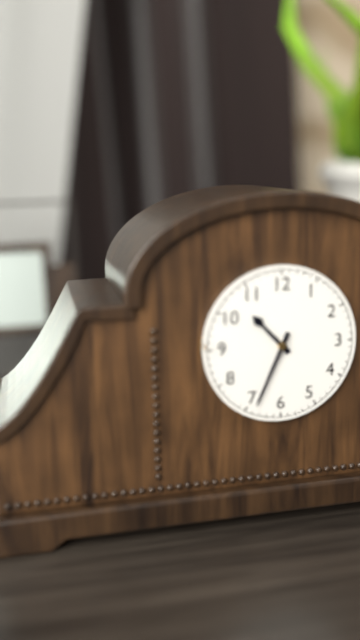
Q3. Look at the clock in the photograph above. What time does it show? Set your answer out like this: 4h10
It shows 10h34
